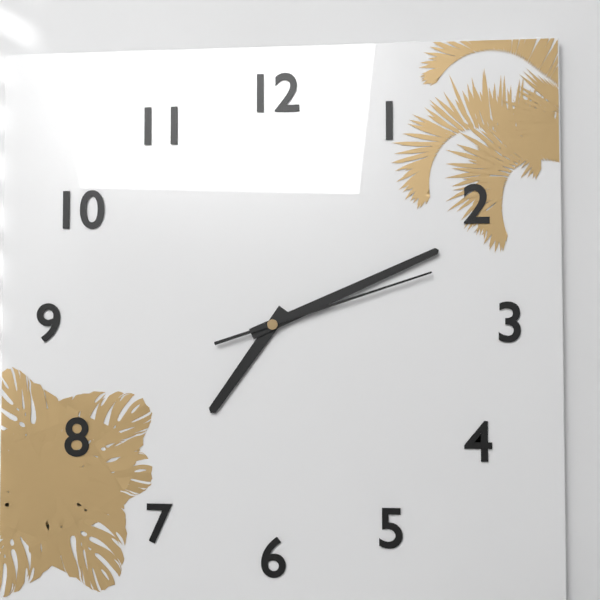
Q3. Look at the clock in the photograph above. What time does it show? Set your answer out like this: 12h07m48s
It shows 7h11m12s
